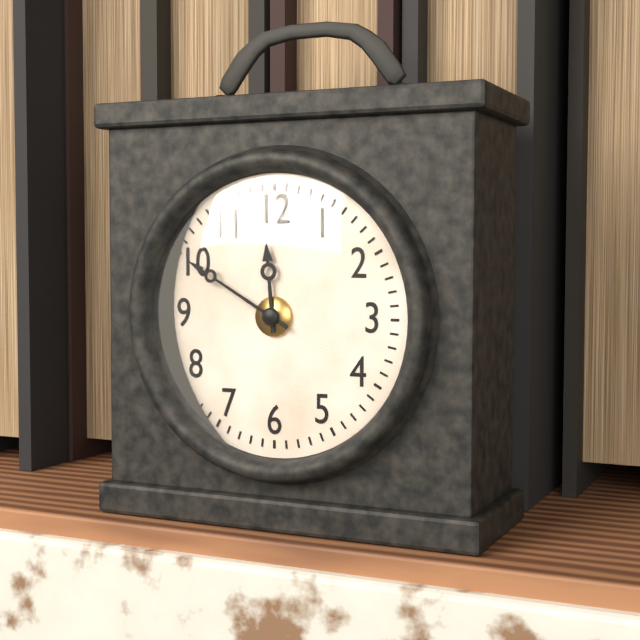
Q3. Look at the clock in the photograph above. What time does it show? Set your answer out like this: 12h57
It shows 11h50
